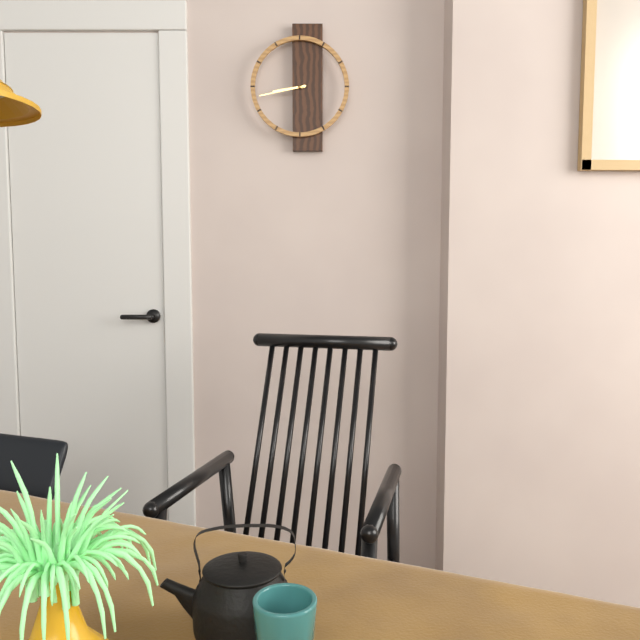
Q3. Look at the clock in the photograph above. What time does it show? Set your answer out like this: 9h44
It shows 8h43
